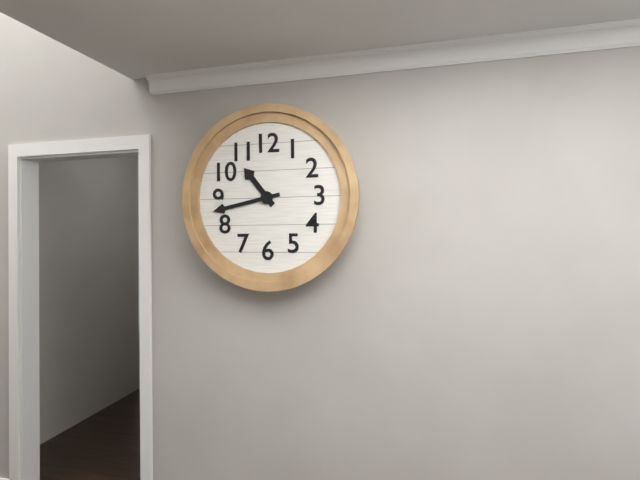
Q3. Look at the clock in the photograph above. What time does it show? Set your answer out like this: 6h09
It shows 10h43
